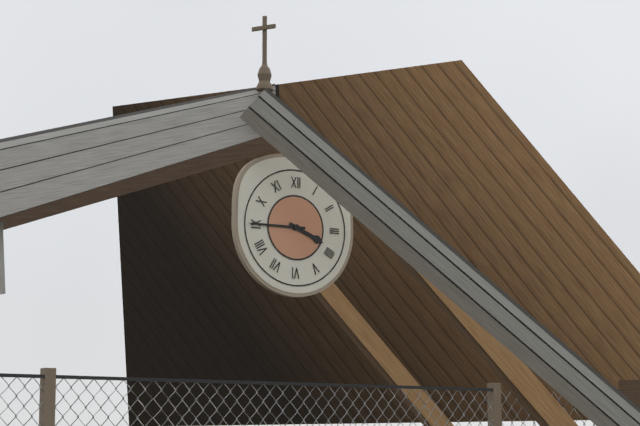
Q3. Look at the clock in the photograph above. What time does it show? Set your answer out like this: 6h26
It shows 3h45
